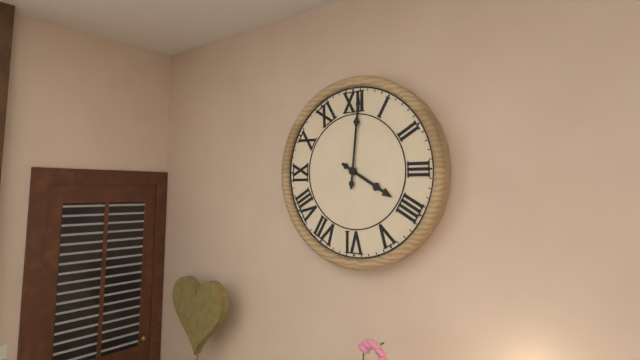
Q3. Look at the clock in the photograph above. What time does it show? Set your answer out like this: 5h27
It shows 4h01
